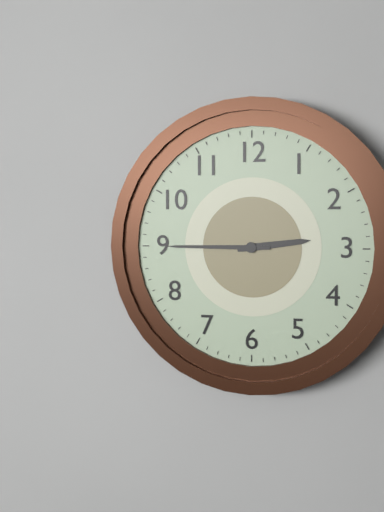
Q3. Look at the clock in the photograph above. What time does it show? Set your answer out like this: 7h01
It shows 2h45
